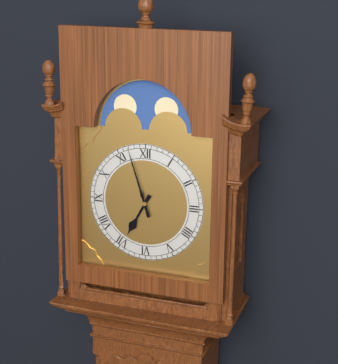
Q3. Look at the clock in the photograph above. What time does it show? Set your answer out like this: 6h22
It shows 6h57
